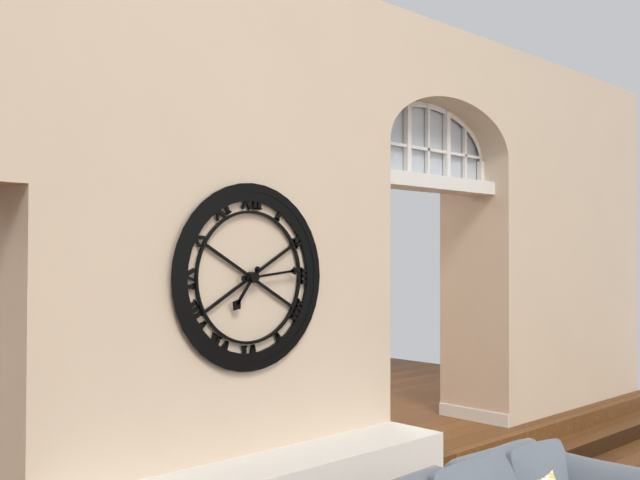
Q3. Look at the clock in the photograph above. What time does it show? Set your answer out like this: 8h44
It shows 7h14
